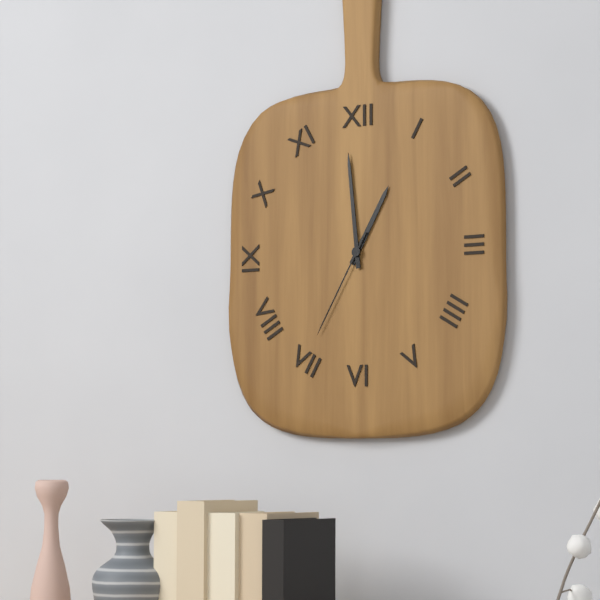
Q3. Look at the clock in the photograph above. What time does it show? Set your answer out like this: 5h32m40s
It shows 12h59m35s
